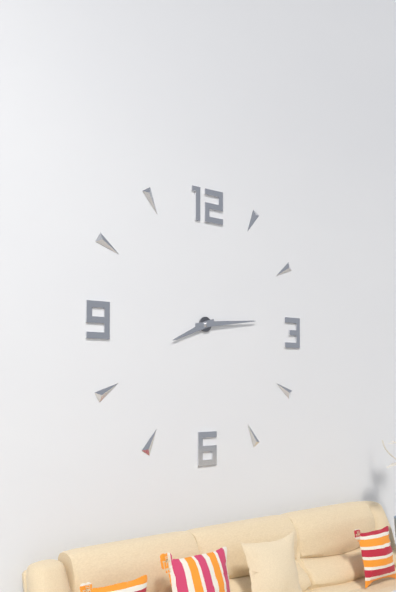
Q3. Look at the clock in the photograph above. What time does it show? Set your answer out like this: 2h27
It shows 8h14
